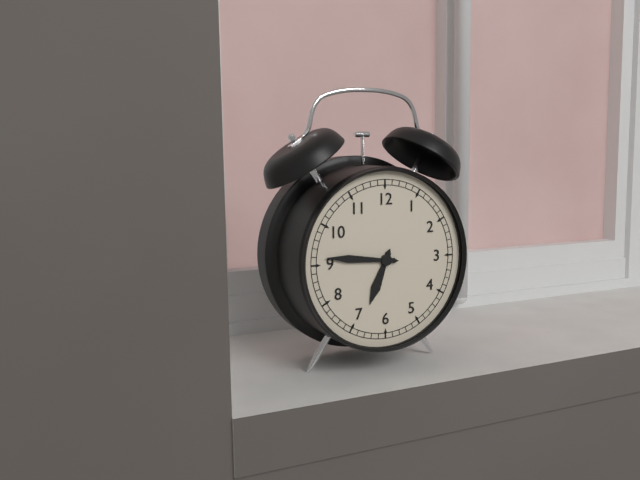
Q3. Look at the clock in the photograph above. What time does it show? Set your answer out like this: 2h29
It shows 6h46
